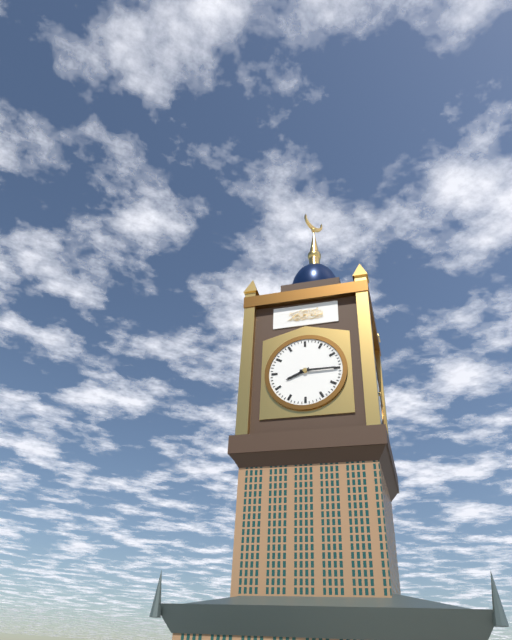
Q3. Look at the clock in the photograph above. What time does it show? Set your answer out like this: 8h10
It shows 8h15
